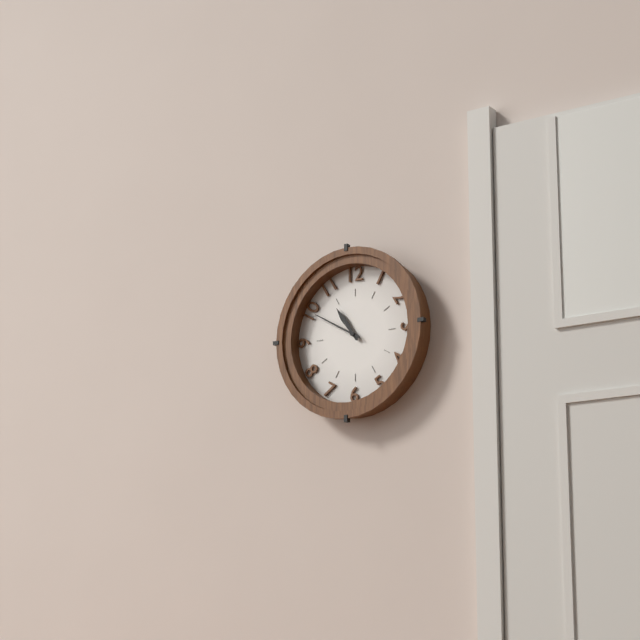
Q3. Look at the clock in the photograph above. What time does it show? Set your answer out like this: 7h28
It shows 10h50
